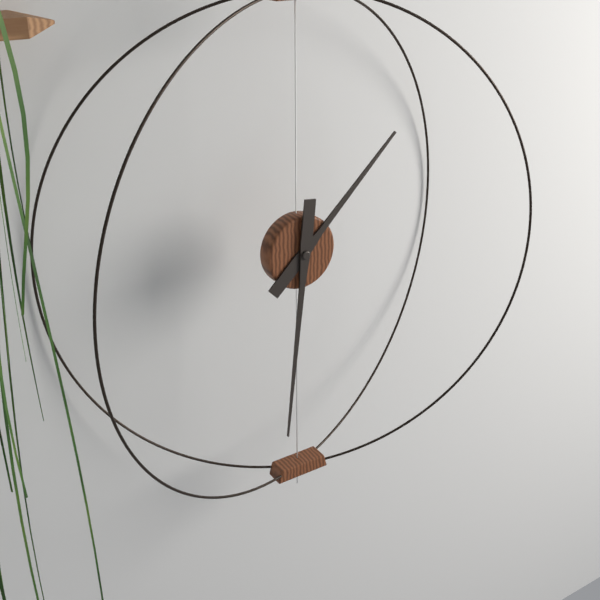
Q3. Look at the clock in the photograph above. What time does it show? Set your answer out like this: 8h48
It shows 1h31
